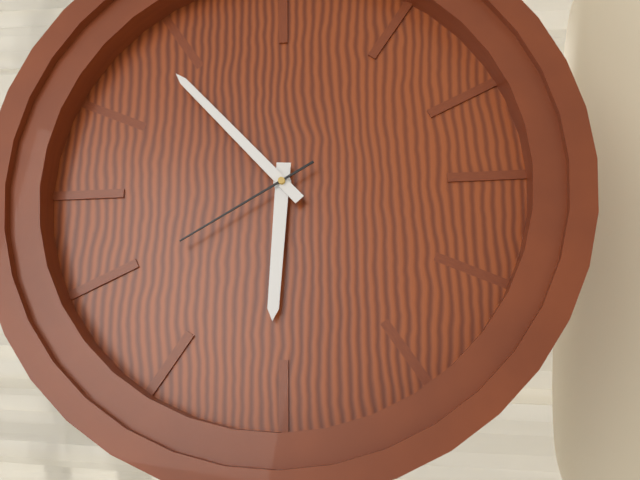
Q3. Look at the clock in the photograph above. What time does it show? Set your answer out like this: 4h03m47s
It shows 9h08m55s
